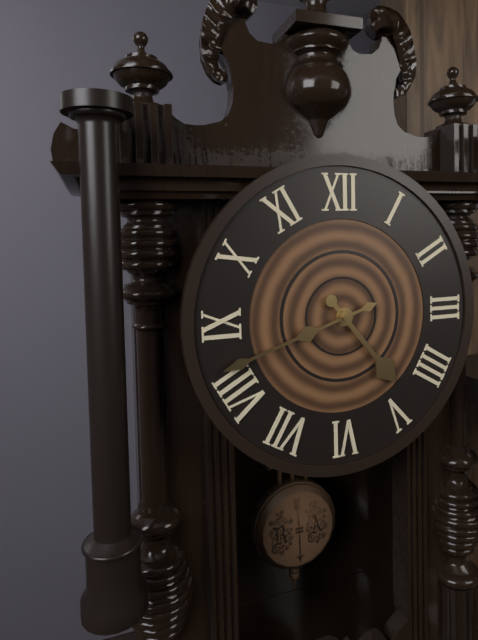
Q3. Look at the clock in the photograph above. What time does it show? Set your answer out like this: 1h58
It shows 4h42
